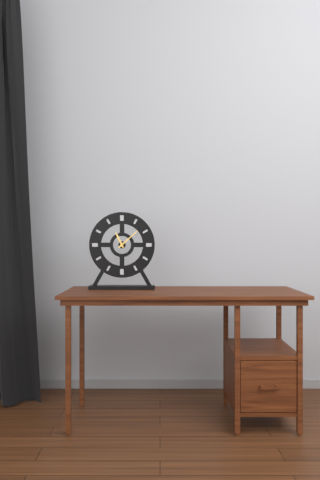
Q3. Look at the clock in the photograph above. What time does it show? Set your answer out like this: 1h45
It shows 11h08
